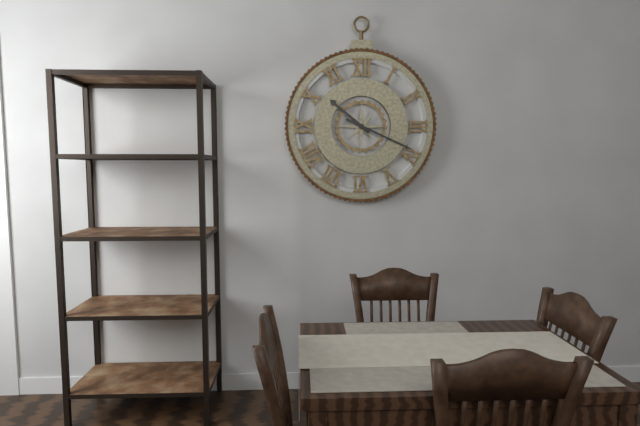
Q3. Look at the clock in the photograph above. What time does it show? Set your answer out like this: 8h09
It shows 10h19
